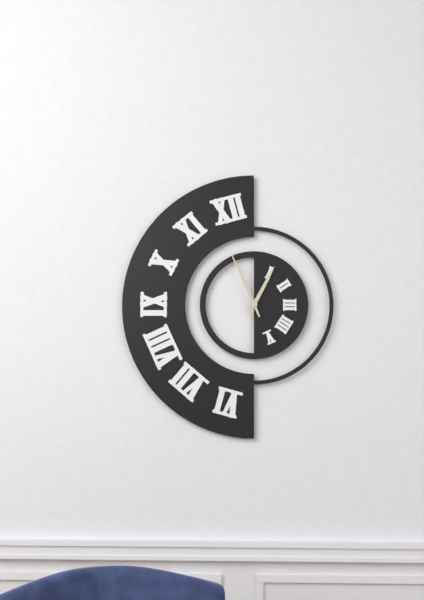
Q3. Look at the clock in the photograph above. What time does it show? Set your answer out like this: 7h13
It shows 12h56
